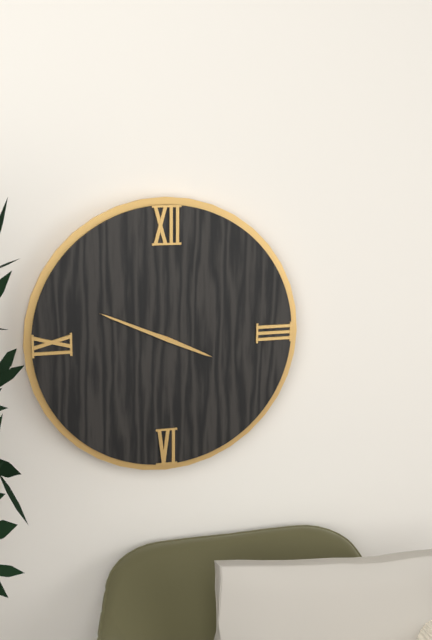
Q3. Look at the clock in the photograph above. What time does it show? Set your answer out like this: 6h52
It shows 3h49
